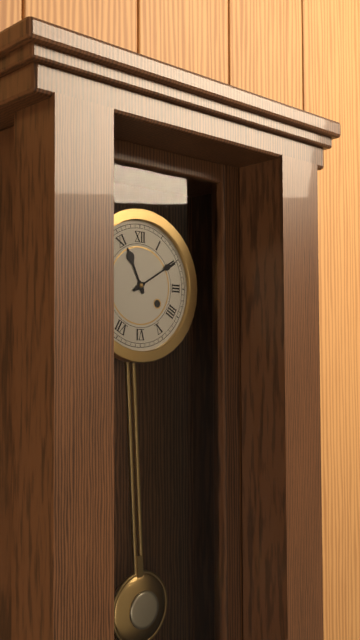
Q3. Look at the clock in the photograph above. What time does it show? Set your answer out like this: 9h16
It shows 11h10
